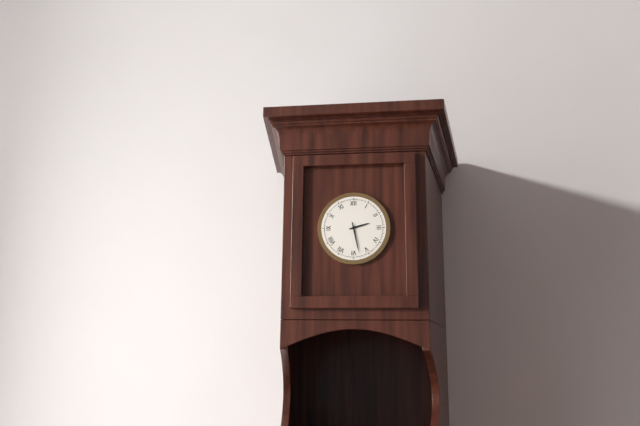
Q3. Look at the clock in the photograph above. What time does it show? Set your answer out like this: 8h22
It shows 2h28
